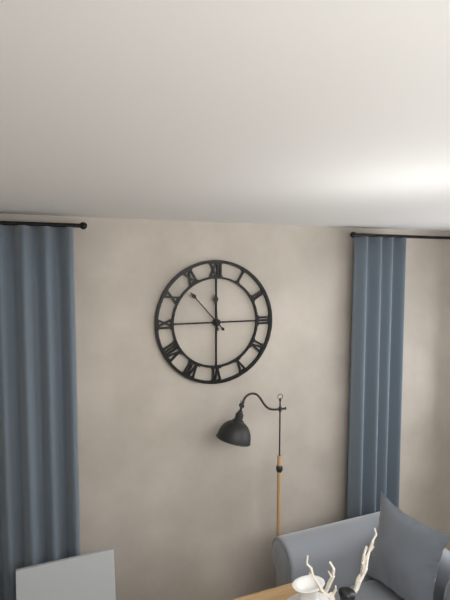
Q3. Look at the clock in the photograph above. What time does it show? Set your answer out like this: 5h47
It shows 11h53
